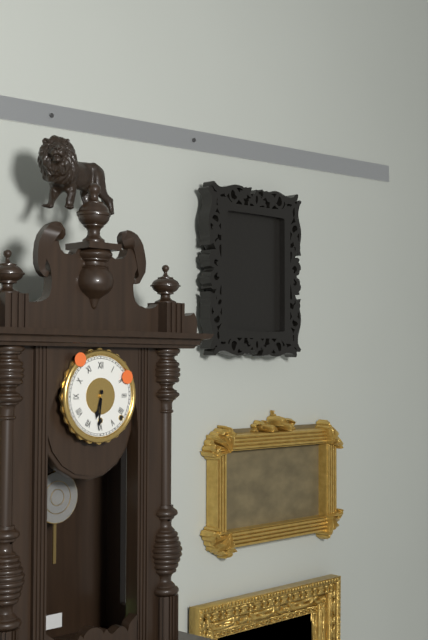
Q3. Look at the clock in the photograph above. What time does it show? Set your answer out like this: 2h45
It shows 6h31
